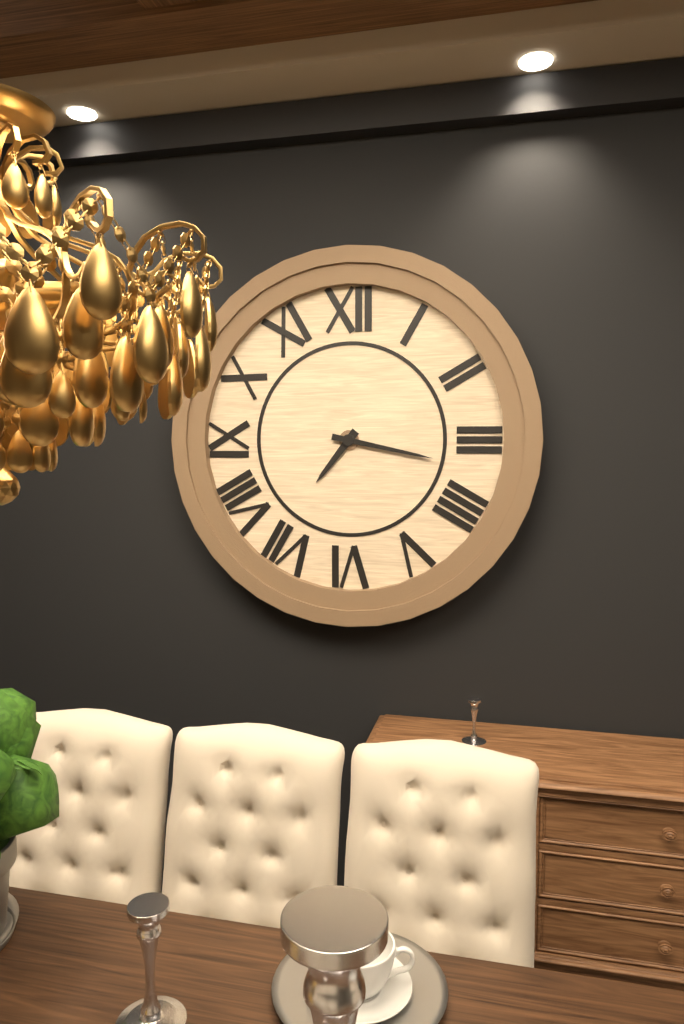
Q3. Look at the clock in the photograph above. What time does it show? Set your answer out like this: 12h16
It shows 7h17
